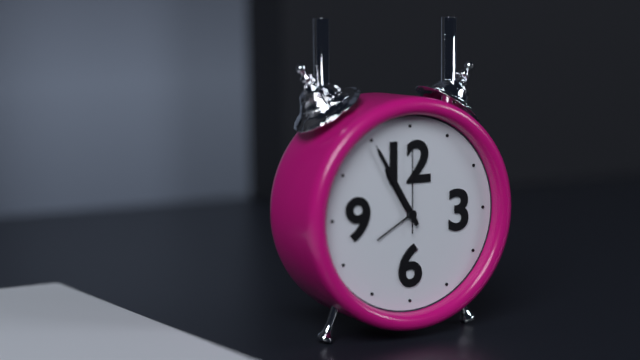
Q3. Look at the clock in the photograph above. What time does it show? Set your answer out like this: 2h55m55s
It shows 10h55m00s
